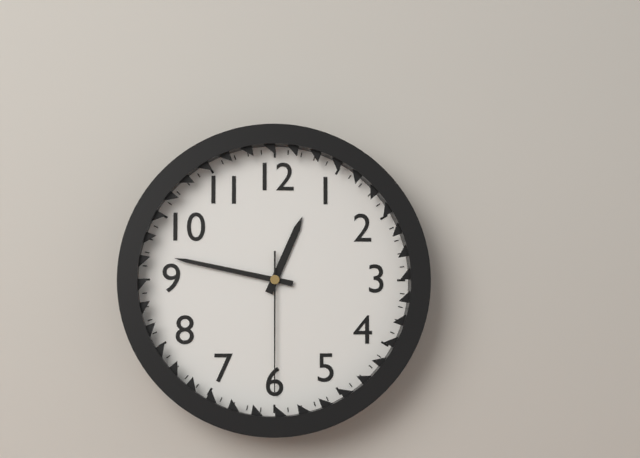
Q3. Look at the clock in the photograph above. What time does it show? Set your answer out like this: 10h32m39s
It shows 12h47m30s
